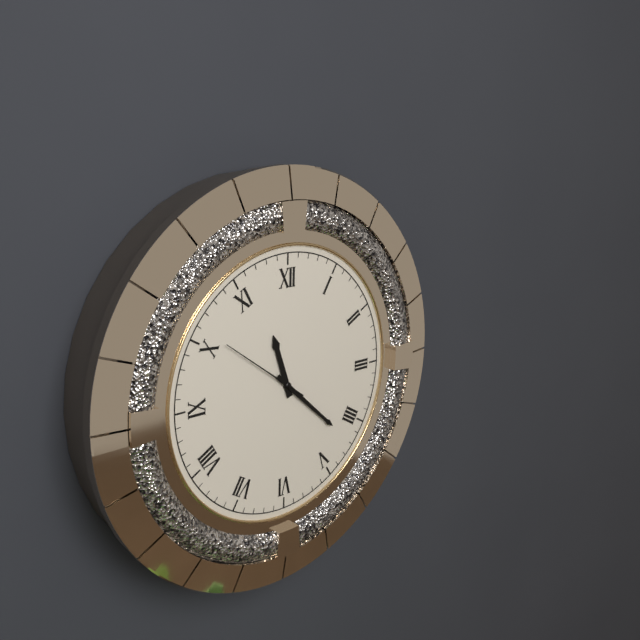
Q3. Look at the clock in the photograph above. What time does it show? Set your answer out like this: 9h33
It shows 11h22
